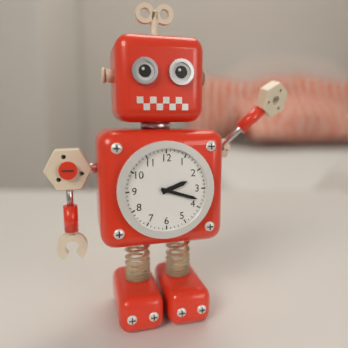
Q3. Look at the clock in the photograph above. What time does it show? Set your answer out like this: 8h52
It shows 2h18
